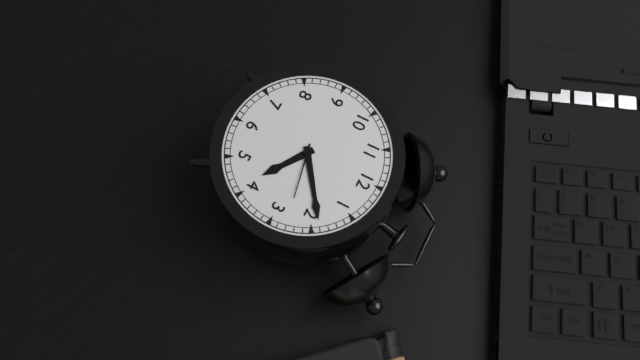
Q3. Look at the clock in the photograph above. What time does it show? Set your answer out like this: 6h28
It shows 4h09
